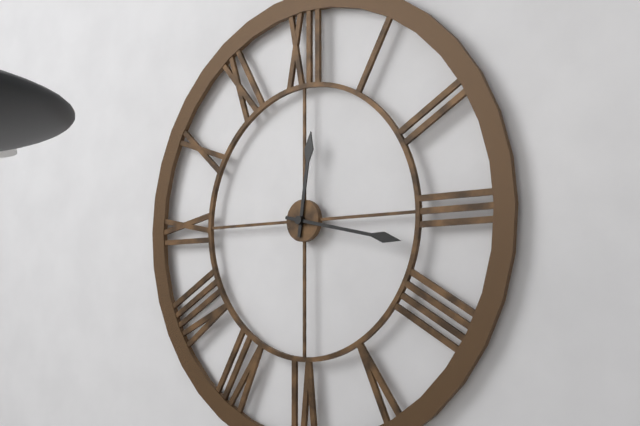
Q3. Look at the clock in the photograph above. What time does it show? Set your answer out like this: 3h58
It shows 12h17
